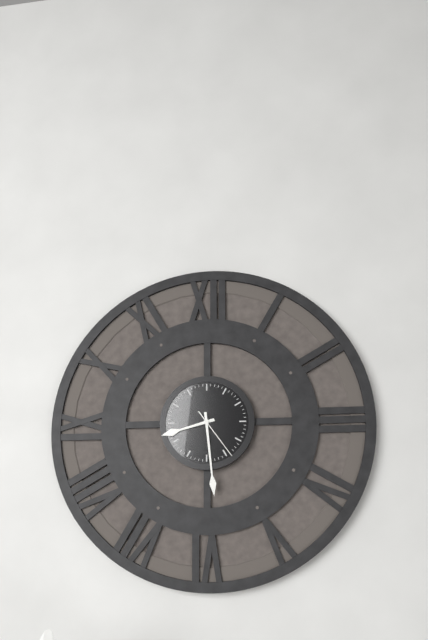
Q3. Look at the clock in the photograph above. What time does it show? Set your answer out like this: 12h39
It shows 8h29
